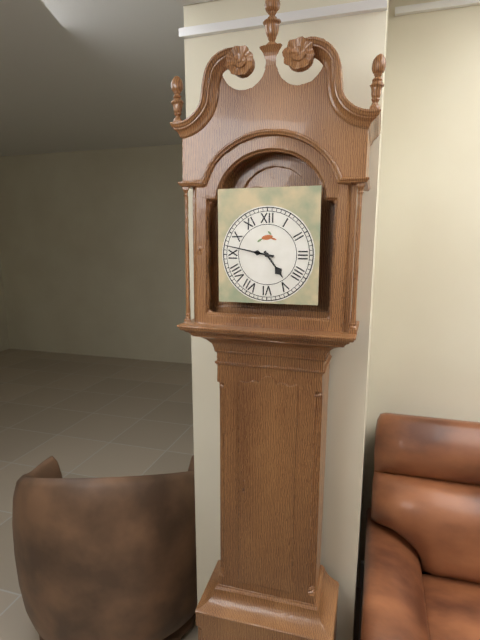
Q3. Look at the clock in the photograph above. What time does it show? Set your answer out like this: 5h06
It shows 4h47
